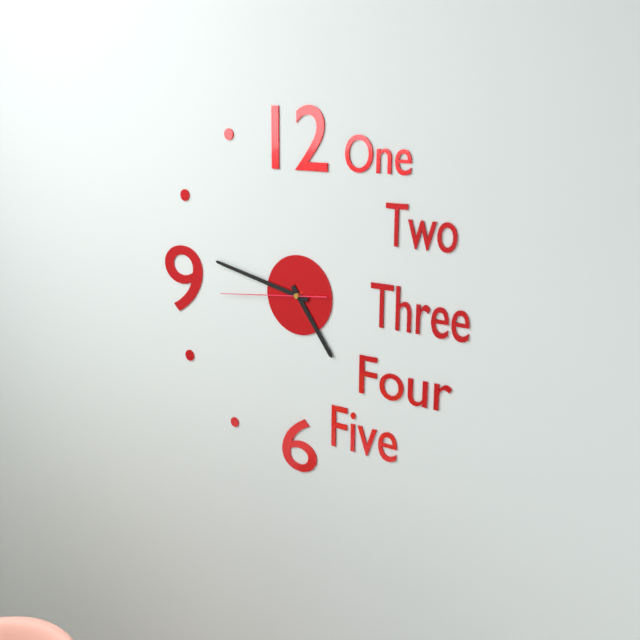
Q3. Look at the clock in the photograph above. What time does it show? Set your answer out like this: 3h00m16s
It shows 4h47m44s
